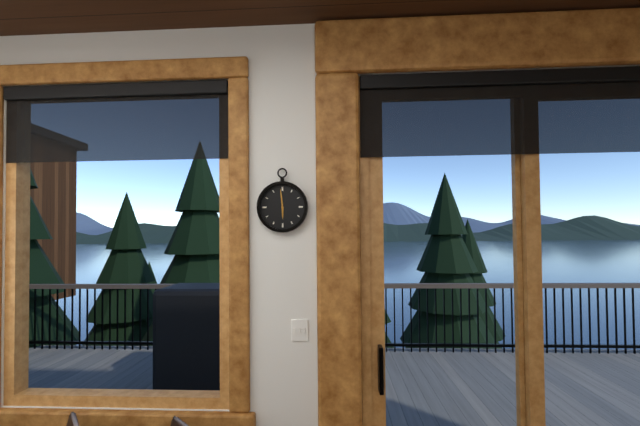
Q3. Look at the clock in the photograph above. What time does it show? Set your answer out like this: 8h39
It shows 5h59
